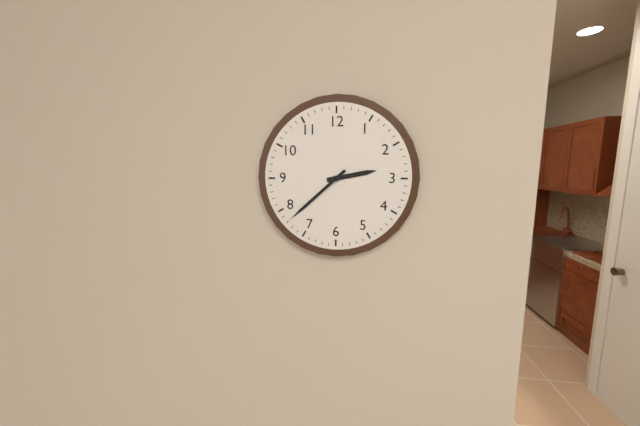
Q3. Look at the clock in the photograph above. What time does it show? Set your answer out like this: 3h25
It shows 2h38
